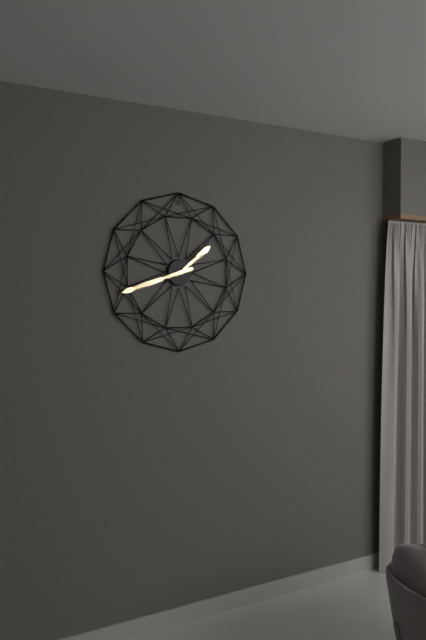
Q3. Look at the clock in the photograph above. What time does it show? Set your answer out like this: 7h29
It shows 1h42
